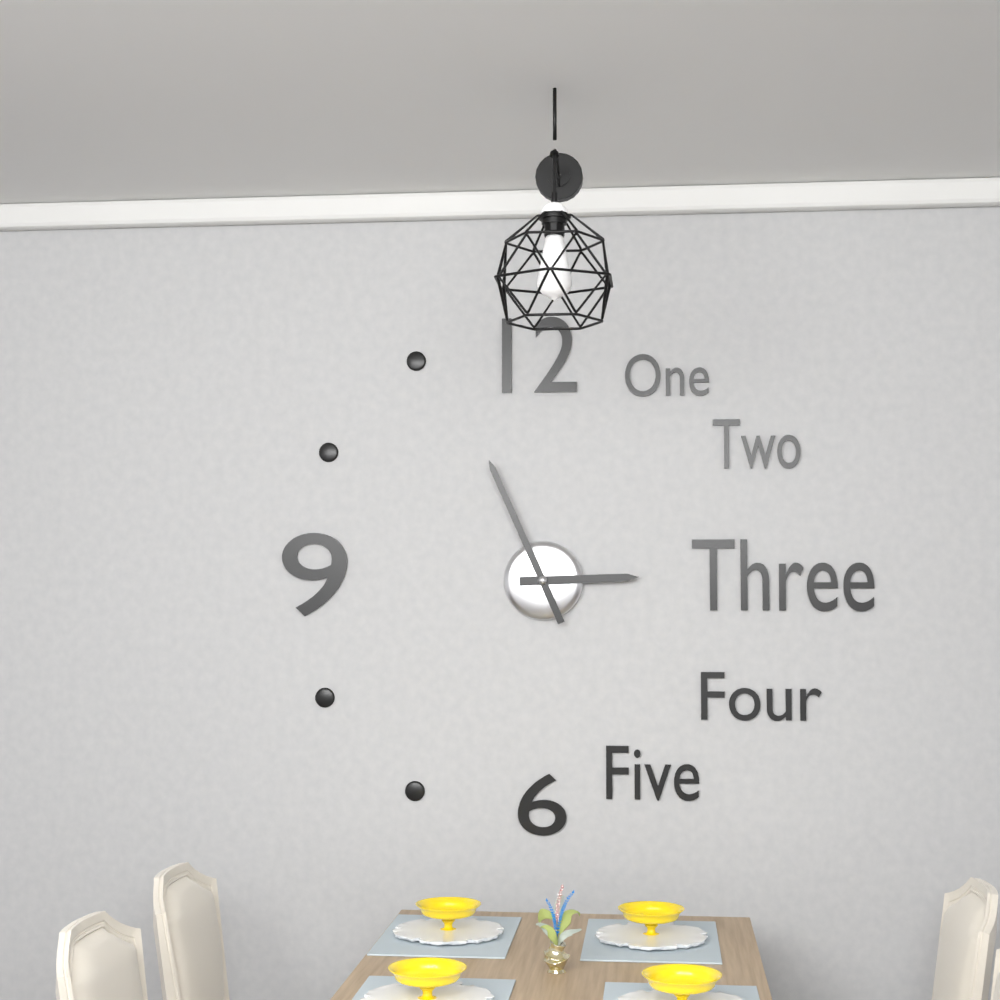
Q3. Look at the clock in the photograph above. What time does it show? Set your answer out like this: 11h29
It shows 2h56
